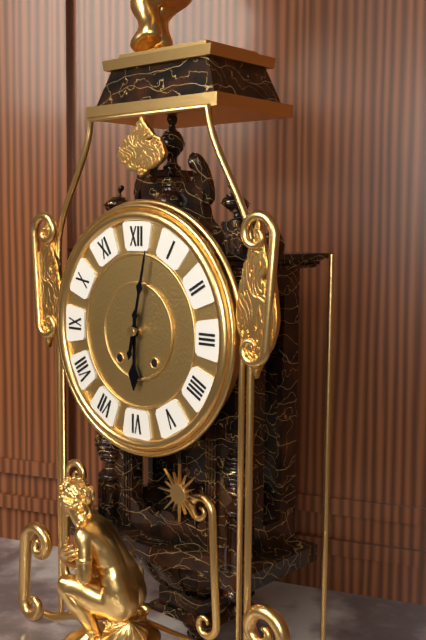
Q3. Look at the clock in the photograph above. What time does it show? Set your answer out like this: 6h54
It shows 6h02
